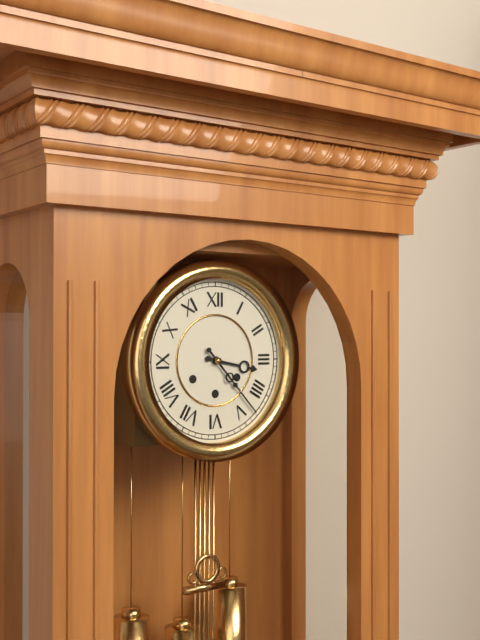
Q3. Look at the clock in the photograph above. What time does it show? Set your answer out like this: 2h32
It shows 3h23
